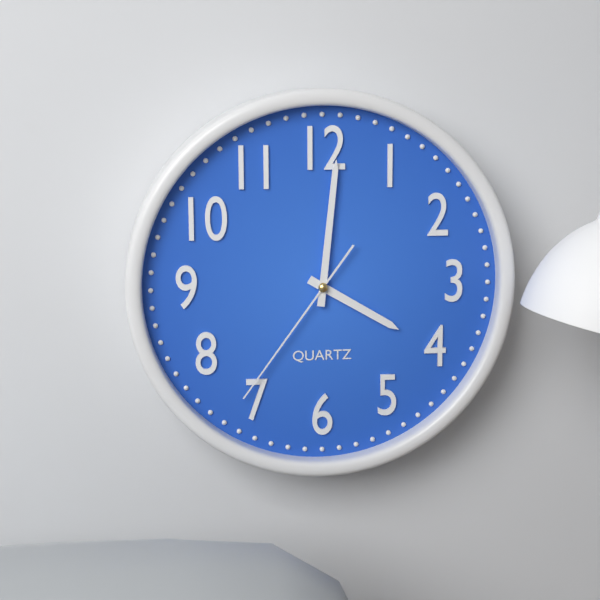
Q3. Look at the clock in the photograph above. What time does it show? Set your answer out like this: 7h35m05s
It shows 4h01m36s
